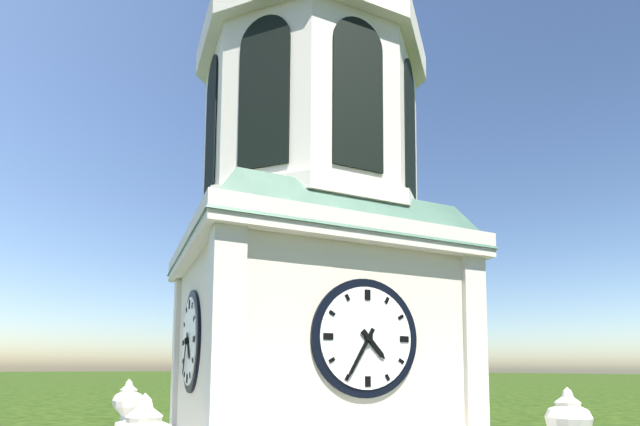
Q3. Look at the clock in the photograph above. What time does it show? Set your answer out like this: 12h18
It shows 4h35
